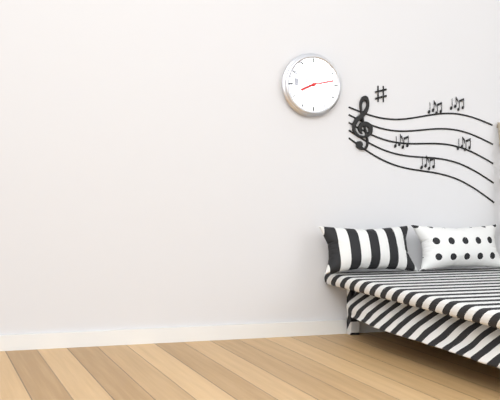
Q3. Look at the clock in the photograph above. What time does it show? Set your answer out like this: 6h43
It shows 8h13
